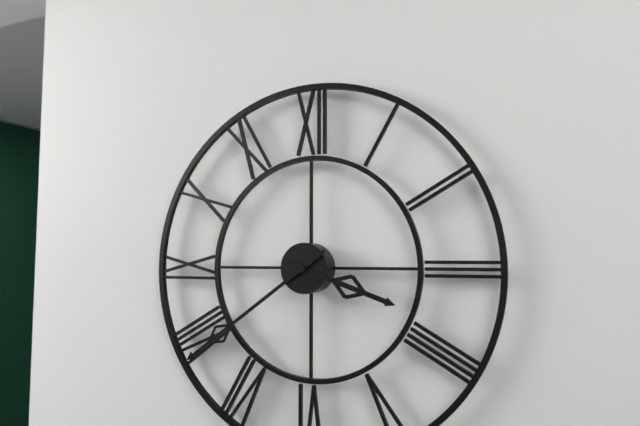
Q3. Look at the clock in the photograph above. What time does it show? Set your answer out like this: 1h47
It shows 3h39
